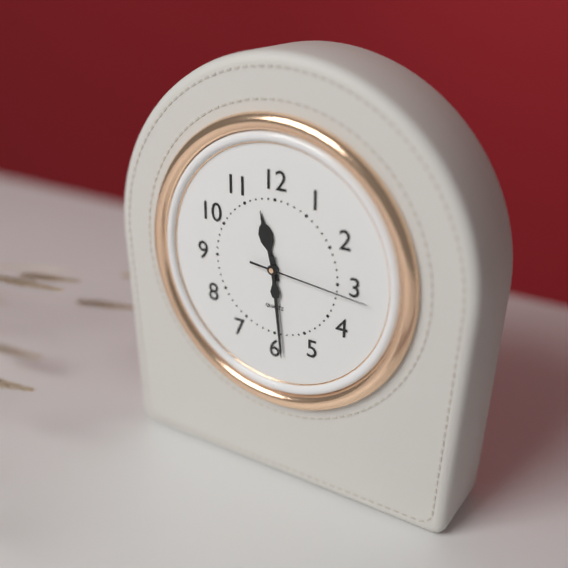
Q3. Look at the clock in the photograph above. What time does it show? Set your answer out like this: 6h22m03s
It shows 11h29m16s
